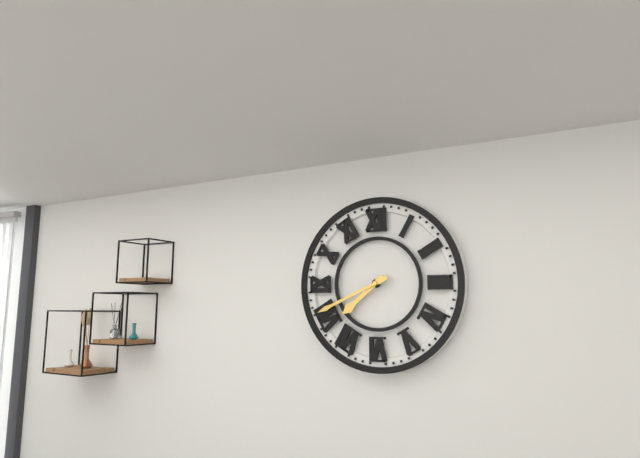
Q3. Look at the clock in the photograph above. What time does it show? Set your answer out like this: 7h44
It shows 7h41
